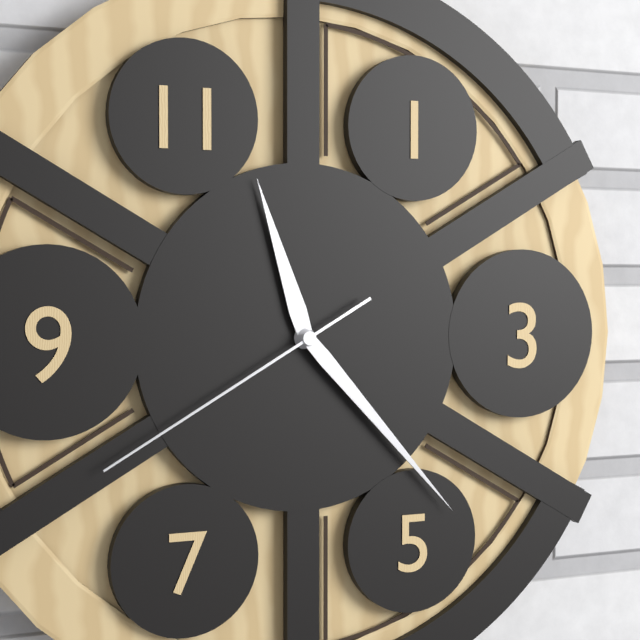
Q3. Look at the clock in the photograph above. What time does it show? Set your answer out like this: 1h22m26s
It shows 11h23m40s
